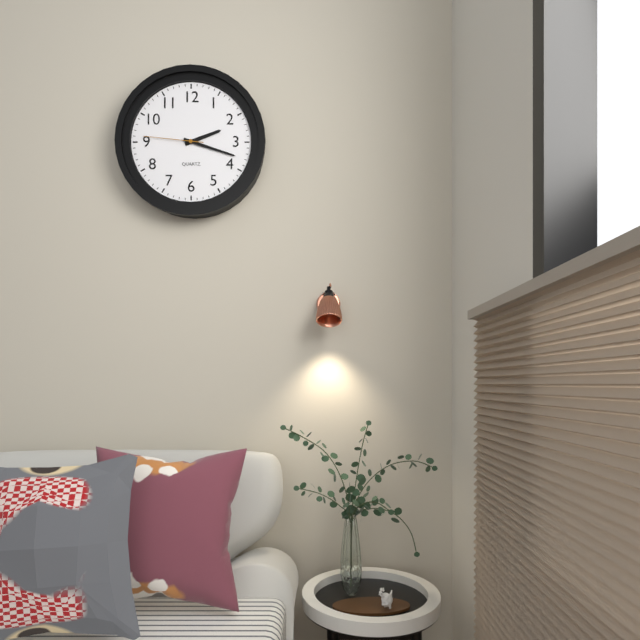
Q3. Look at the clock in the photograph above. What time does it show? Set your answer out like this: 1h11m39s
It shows 2h18m46s
